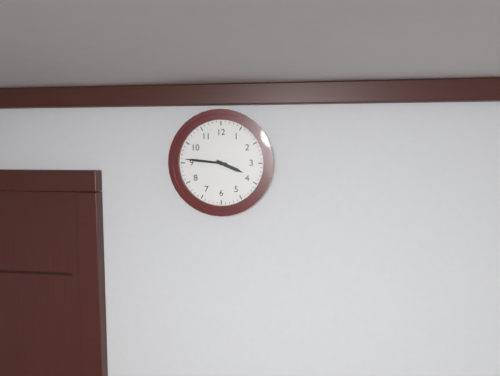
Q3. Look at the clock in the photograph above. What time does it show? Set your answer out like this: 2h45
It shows 3h46
